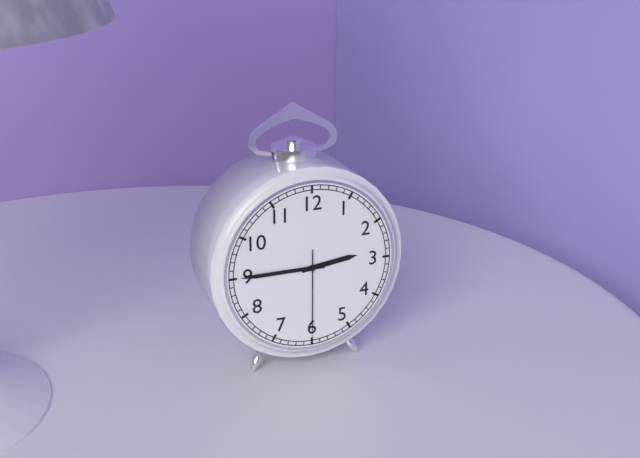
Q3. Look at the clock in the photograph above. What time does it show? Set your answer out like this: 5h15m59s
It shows 2h45m30s
